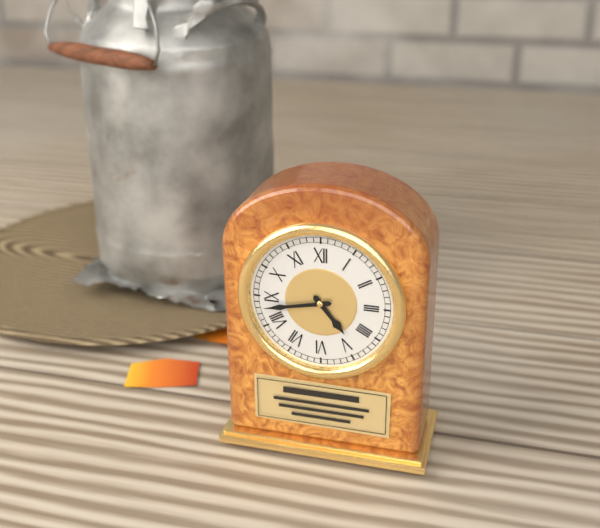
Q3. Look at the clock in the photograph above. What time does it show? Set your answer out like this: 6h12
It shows 4h43
